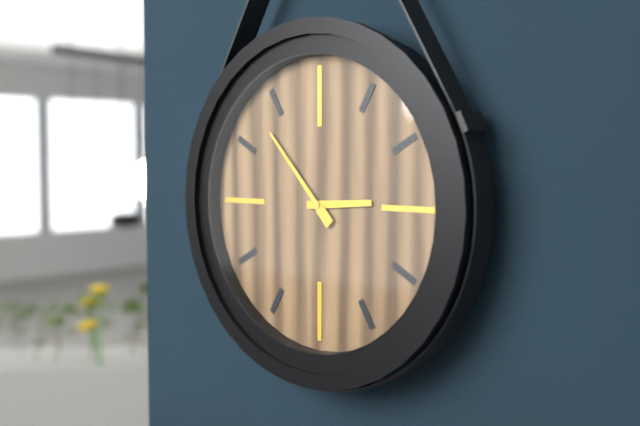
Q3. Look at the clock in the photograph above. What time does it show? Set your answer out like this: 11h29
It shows 2h53
